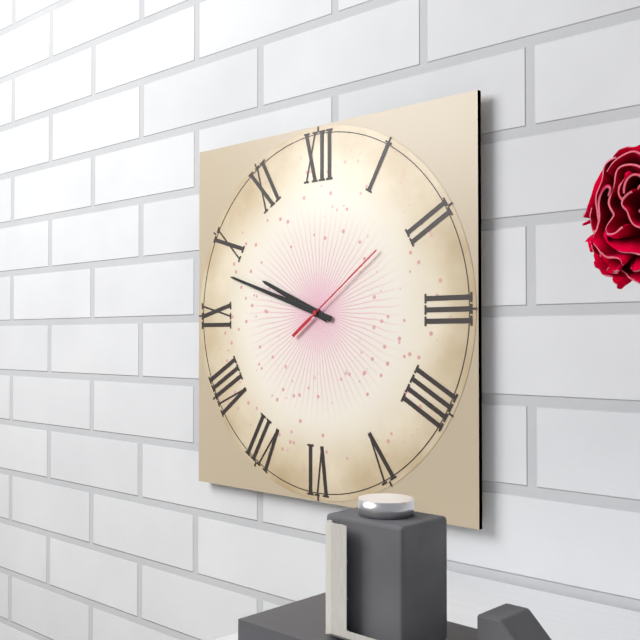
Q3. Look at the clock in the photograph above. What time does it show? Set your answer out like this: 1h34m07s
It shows 9h48m09s
